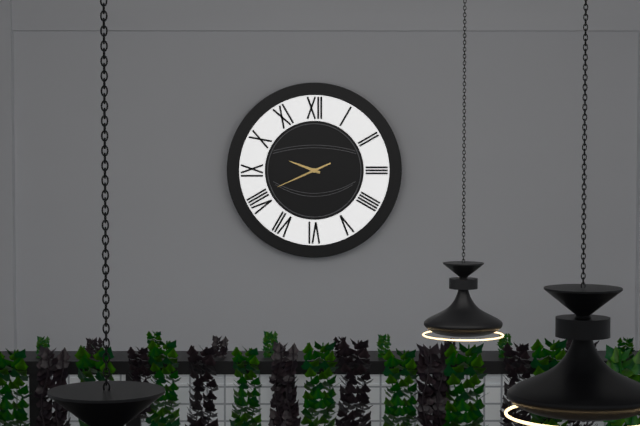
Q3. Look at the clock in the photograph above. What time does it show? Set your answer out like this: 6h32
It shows 9h41
